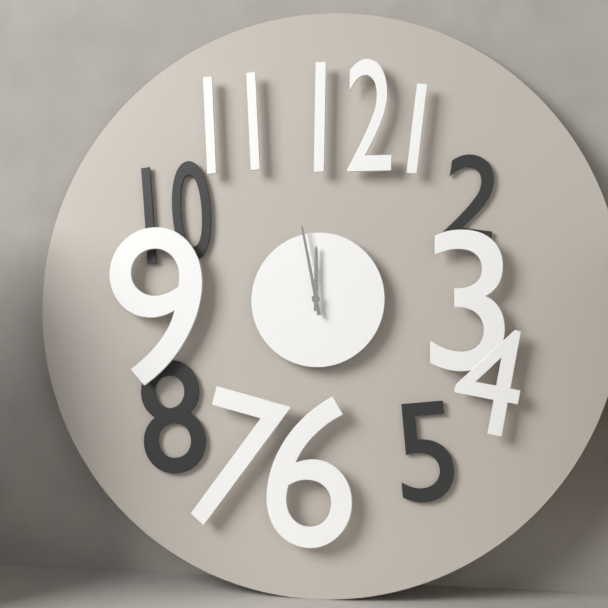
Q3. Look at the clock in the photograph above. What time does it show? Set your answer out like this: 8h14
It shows 11h58
